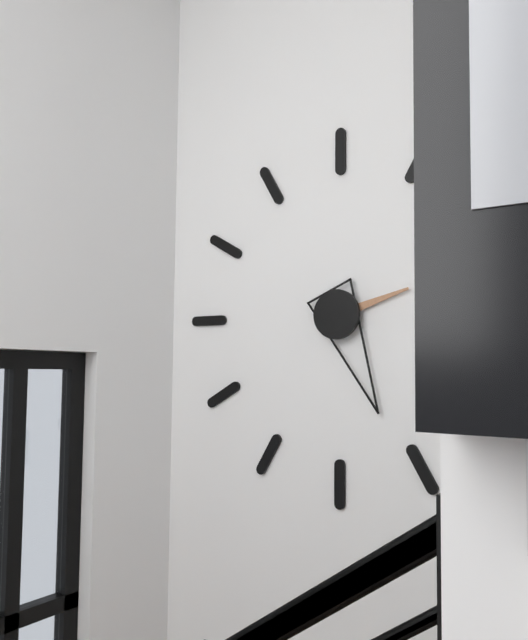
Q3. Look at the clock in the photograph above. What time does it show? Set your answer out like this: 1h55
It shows 2h26
